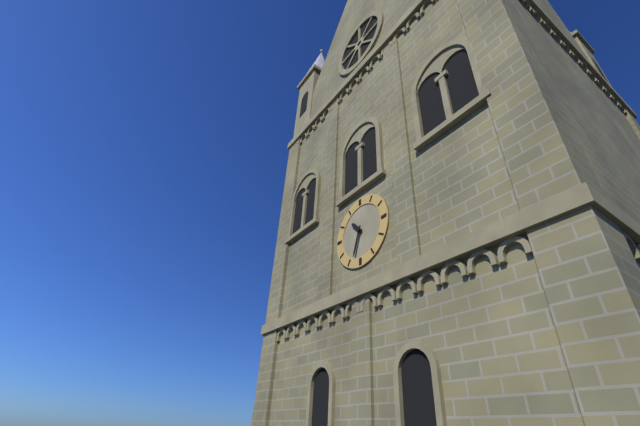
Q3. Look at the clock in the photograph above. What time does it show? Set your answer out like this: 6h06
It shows 10h33
